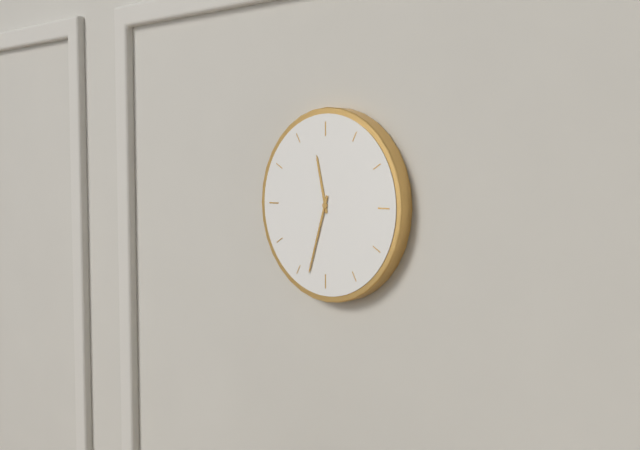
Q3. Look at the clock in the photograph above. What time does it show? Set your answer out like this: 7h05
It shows 11h33
